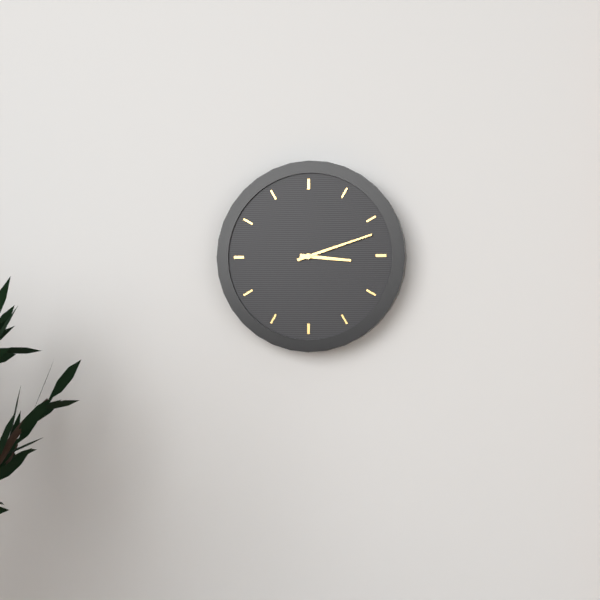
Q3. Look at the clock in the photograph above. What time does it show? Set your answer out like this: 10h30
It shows 3h12
